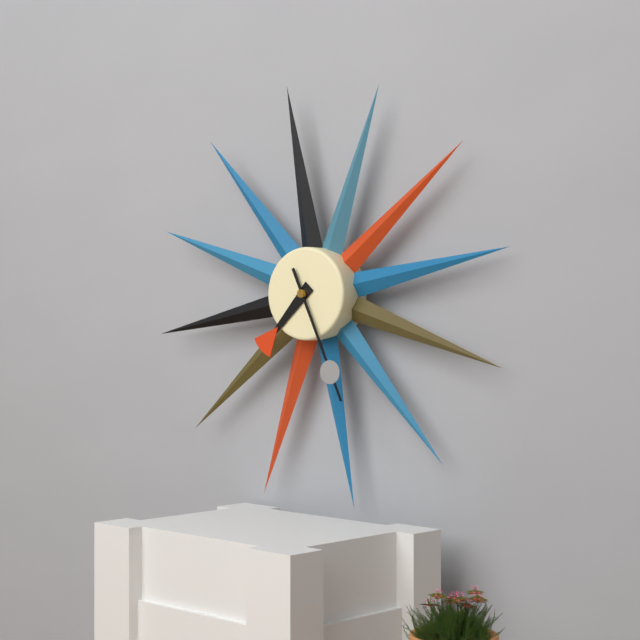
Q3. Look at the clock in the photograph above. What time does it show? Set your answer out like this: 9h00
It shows 7h26
